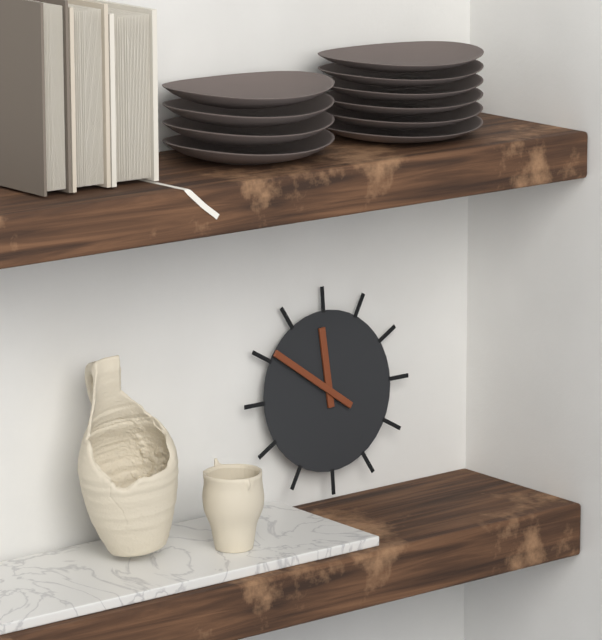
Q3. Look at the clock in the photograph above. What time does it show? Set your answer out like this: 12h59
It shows 11h51
